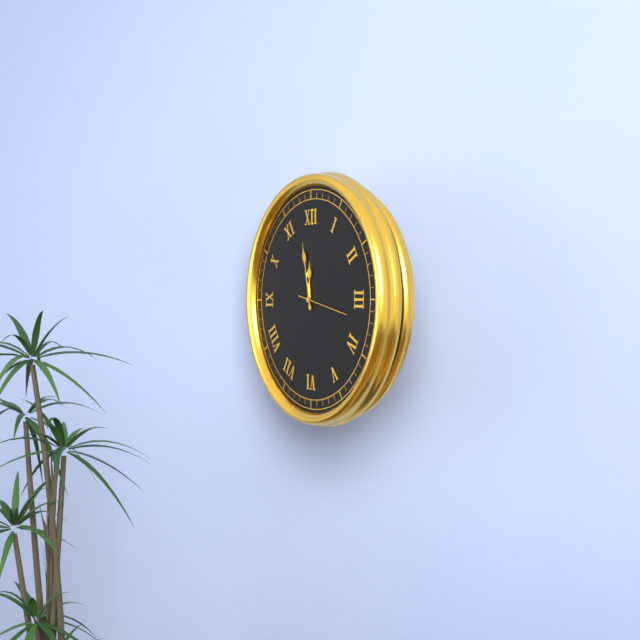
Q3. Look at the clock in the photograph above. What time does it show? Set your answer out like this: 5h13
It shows 11h58
